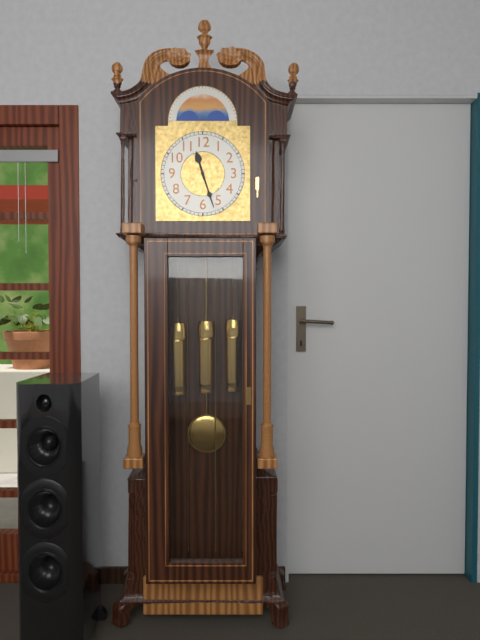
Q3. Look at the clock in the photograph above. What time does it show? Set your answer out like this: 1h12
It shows 11h27
